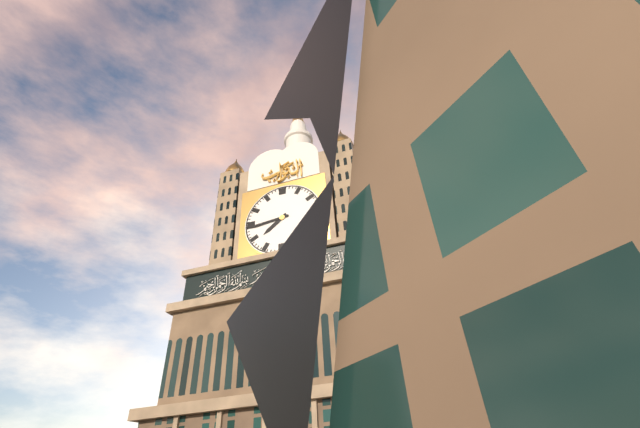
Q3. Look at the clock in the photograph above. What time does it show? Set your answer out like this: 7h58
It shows 7h44
